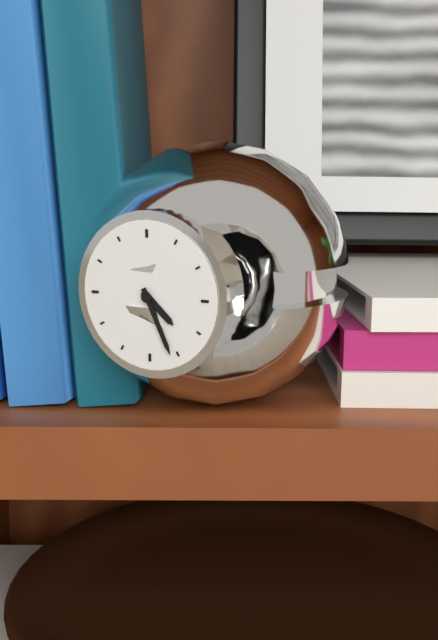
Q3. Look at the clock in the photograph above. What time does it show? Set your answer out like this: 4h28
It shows 4h26
